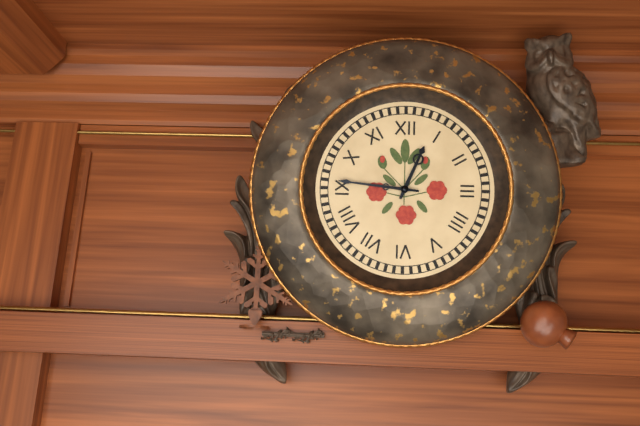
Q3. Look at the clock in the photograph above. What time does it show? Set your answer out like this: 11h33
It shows 12h46
